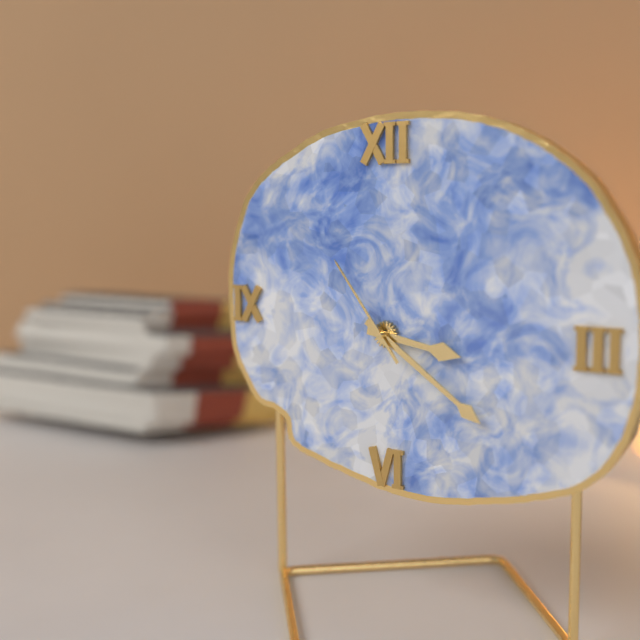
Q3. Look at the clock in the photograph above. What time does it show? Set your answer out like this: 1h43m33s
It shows 3h21m54s
